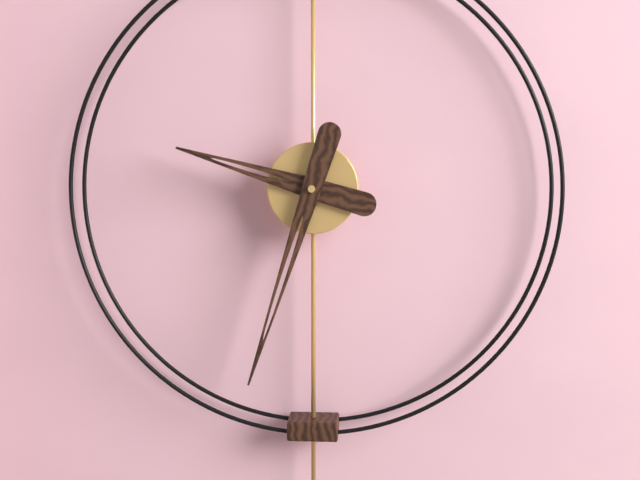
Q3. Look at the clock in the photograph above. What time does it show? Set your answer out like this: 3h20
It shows 9h33
